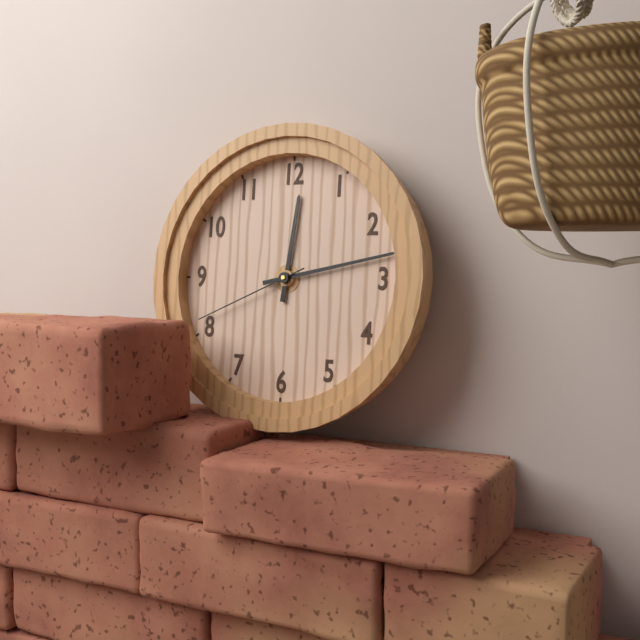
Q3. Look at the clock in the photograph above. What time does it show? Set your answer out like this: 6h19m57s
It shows 12h13m41s
